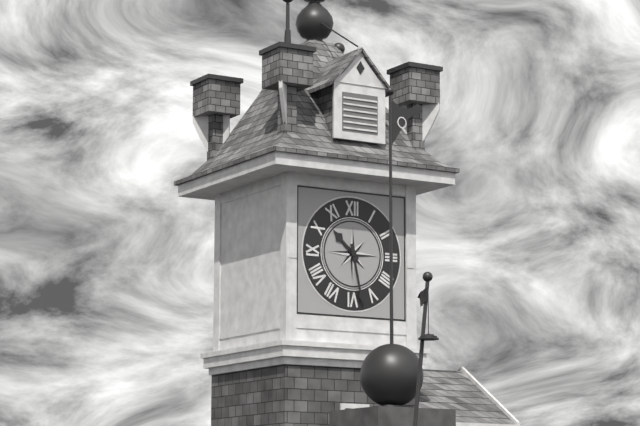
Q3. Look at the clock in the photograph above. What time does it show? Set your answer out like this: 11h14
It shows 10h28
